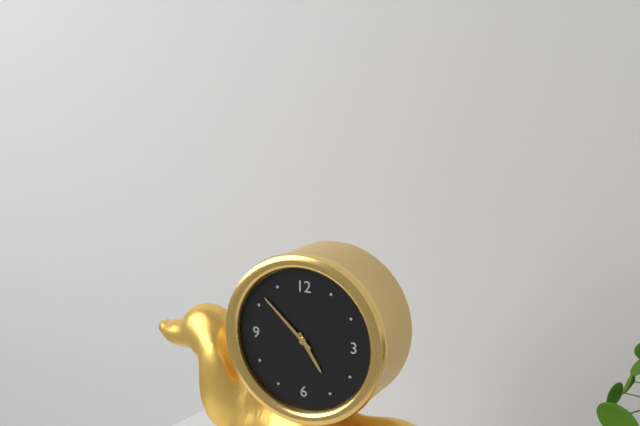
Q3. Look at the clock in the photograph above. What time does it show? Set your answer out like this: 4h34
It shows 4h52
